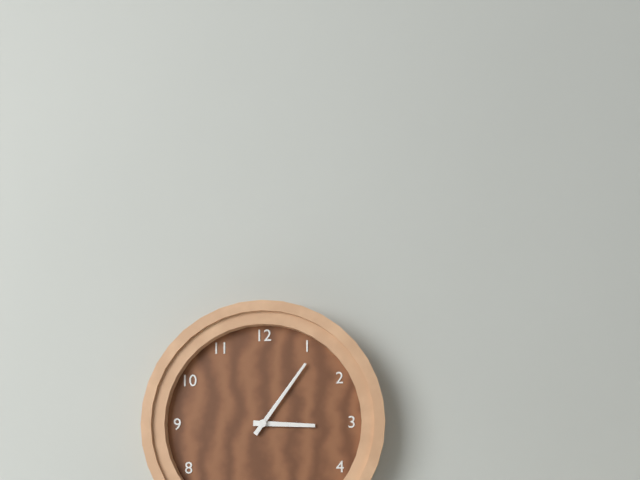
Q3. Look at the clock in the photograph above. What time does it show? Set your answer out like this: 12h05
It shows 3h06
